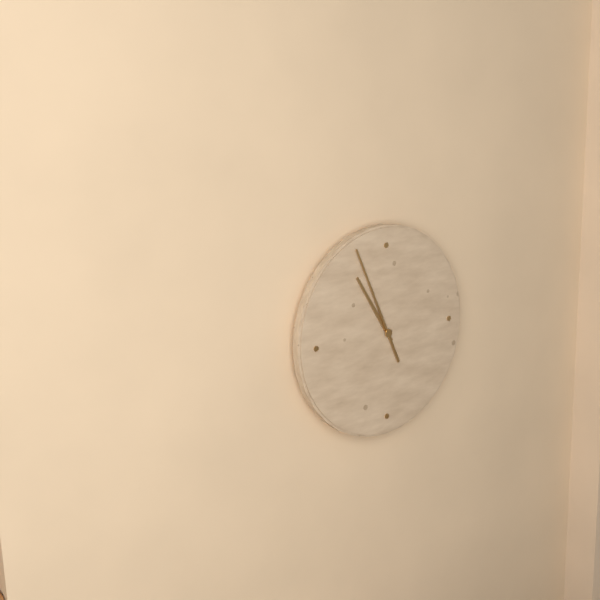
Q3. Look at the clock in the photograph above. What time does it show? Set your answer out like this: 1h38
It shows 10h56
